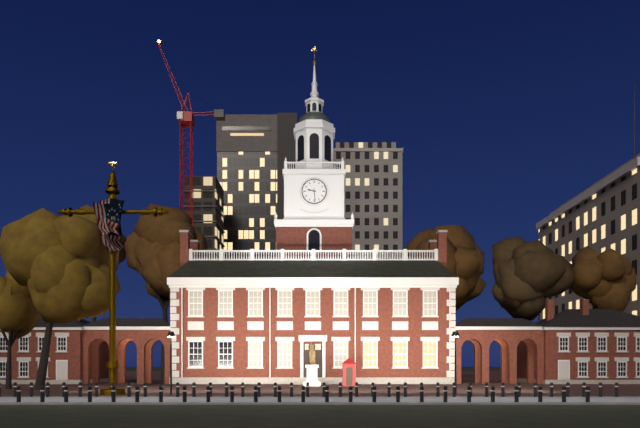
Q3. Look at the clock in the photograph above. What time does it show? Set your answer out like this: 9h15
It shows 9h29
